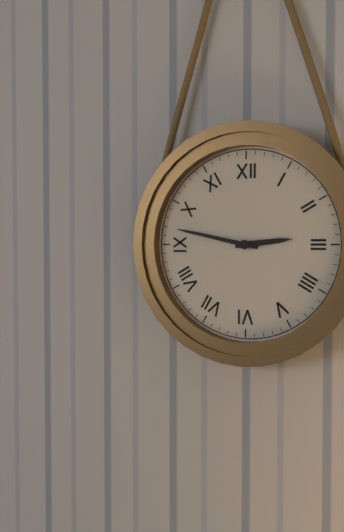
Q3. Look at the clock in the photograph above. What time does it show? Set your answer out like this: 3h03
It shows 2h47
